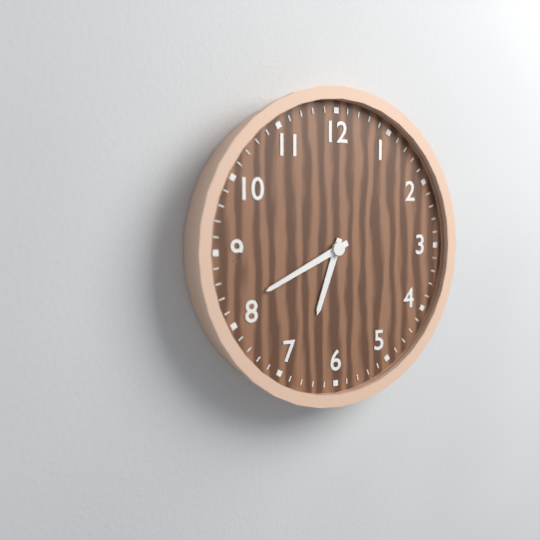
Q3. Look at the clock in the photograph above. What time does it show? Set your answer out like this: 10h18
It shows 6h41
